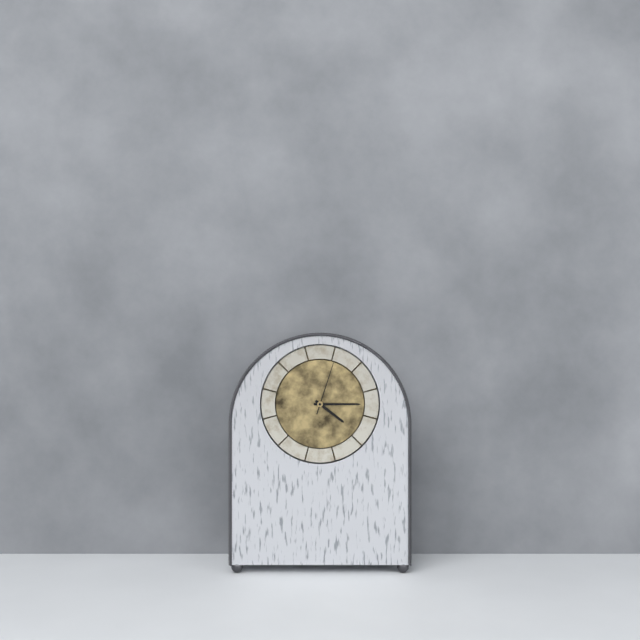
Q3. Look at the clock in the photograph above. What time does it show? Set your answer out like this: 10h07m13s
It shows 4h15m03s
